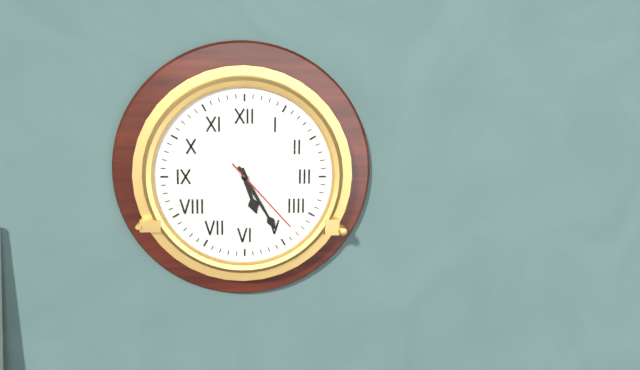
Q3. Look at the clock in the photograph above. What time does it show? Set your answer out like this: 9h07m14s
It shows 5h25m23s
